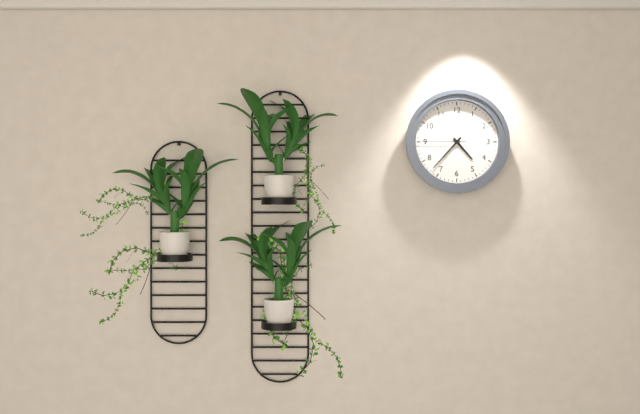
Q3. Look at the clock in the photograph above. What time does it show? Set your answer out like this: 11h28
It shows 4h37
